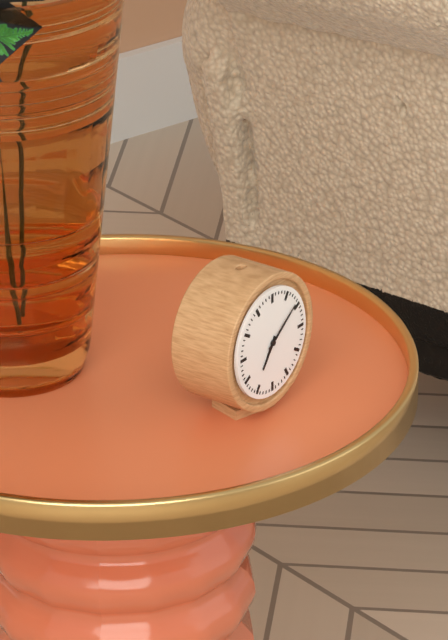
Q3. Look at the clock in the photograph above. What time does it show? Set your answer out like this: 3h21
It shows 7h09
